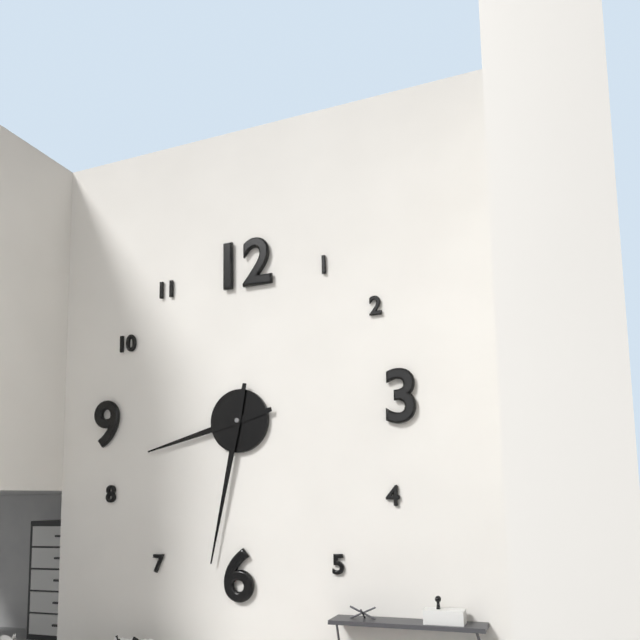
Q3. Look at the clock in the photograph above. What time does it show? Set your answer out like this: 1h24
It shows 8h32
